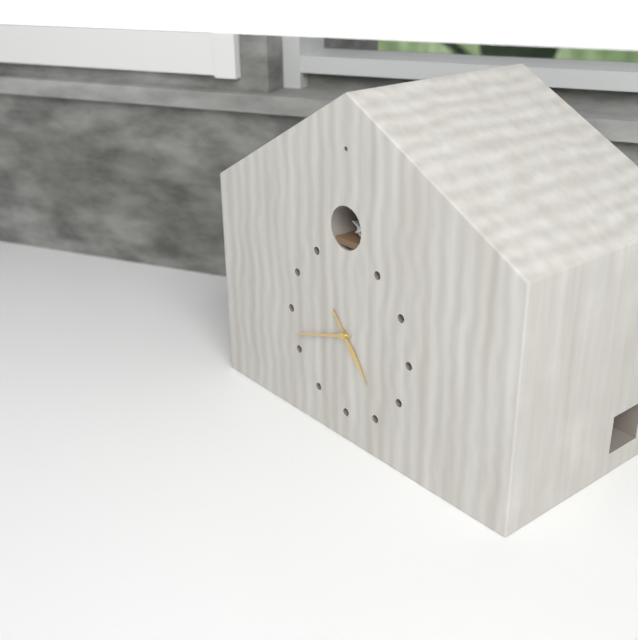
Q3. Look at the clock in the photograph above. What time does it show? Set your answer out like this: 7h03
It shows 4h42
